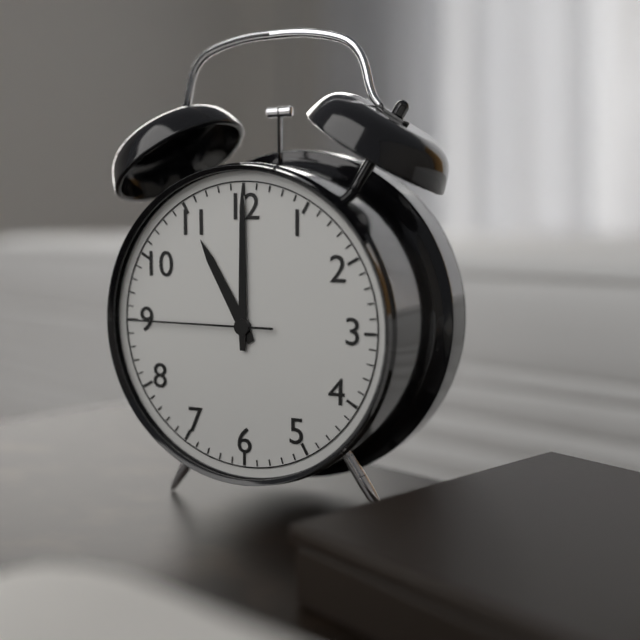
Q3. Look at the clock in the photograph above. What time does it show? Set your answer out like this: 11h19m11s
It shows 11h00m45s
